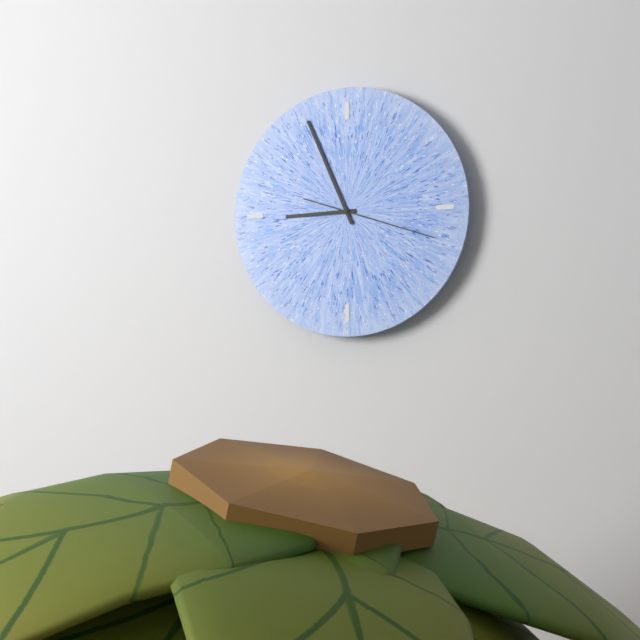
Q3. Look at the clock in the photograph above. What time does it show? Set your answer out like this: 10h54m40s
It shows 8h56m18s
